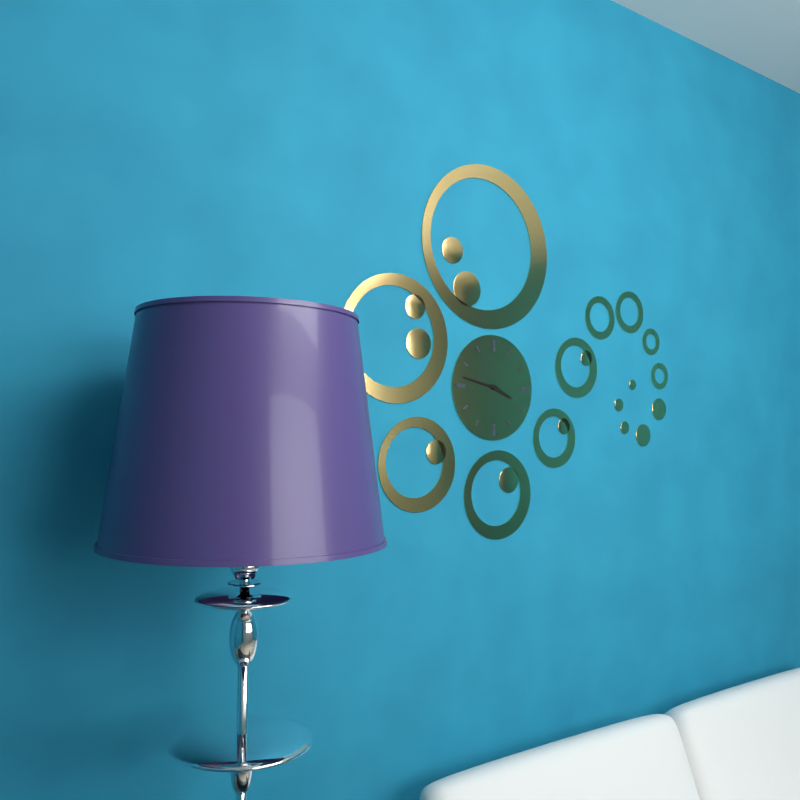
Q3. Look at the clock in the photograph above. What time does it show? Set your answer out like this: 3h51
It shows 3h47
